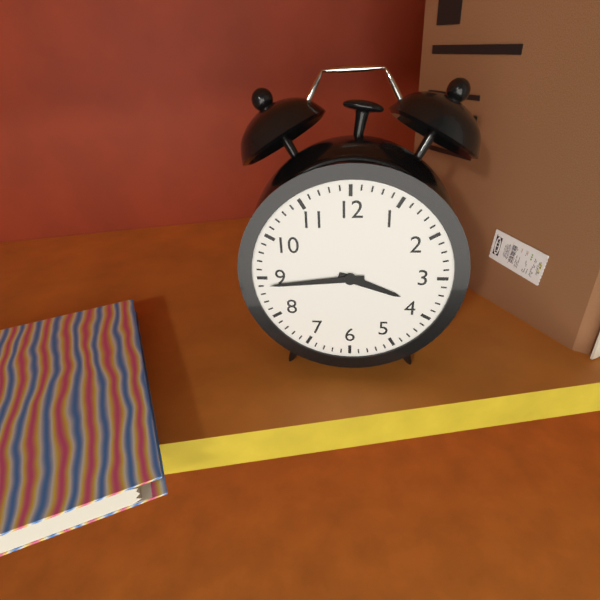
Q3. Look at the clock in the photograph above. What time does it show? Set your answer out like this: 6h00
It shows 3h44
